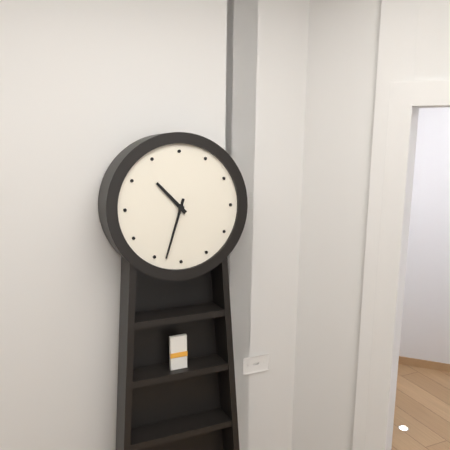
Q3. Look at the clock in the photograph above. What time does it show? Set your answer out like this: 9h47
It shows 10h33
